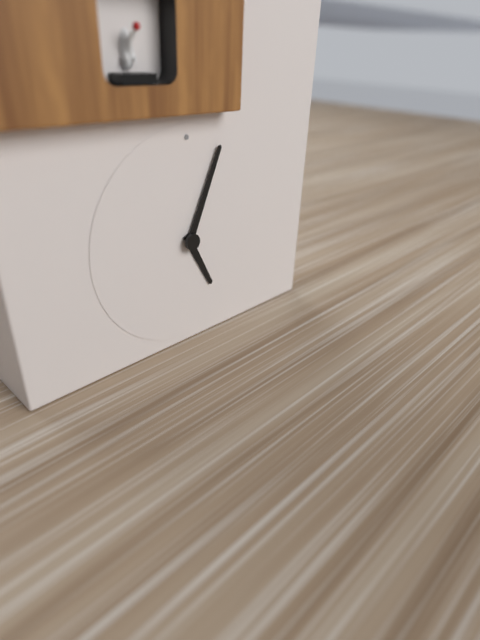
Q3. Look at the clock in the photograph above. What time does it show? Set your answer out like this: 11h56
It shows 5h04
